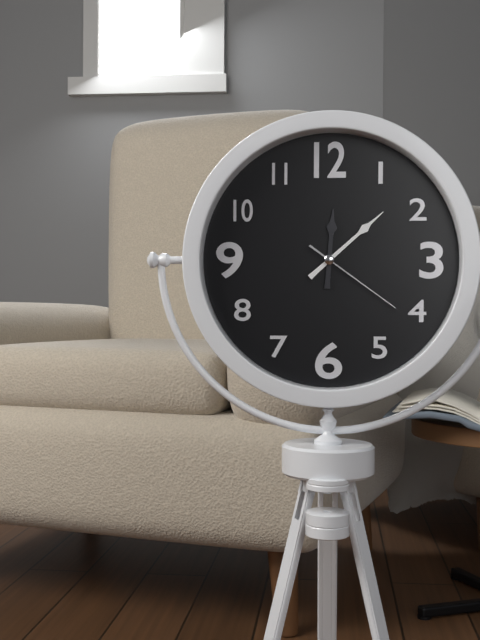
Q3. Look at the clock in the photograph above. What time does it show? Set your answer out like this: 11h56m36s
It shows 12h08m21s
